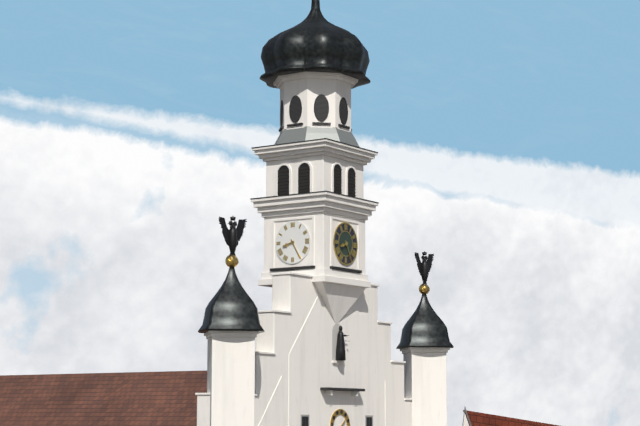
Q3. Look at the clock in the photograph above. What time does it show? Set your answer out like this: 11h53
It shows 8h25
